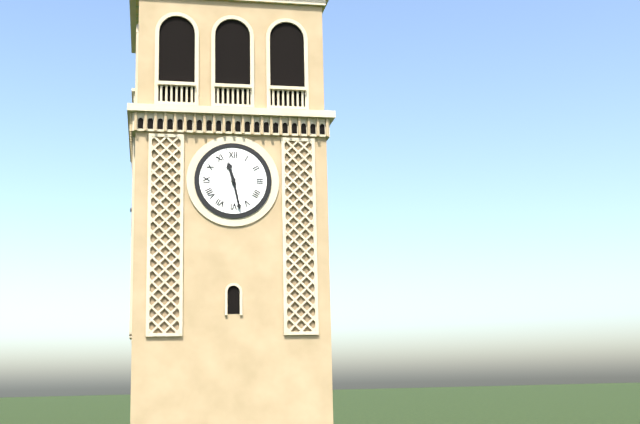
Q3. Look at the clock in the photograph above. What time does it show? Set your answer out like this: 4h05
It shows 11h28
